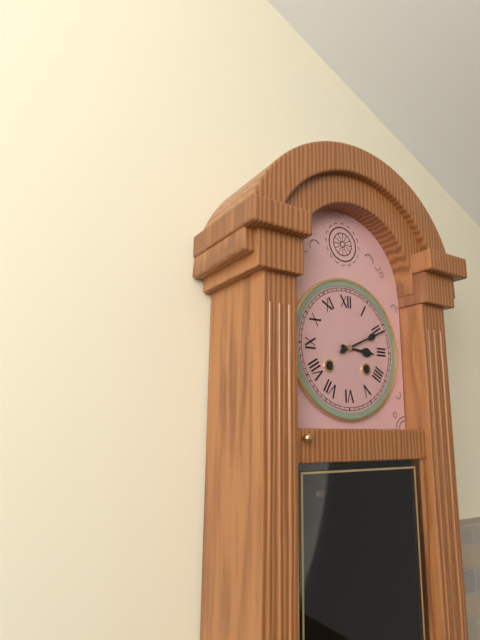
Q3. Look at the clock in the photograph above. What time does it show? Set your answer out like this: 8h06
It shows 3h11
